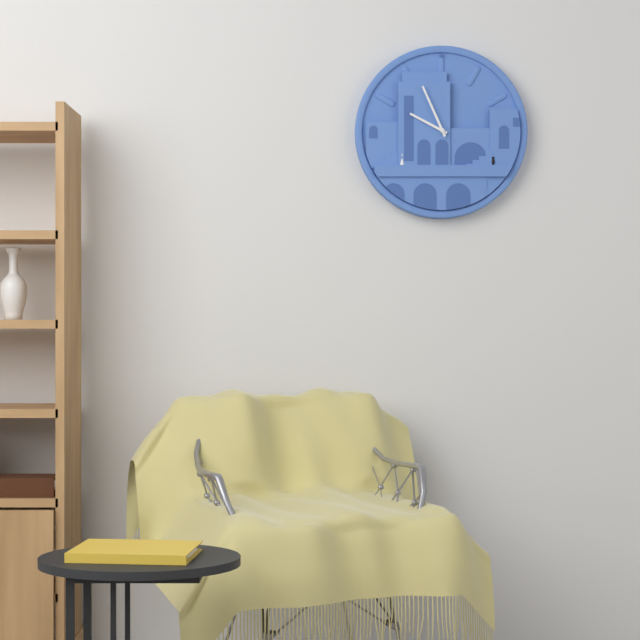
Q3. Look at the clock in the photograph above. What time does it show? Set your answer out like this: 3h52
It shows 9h56
